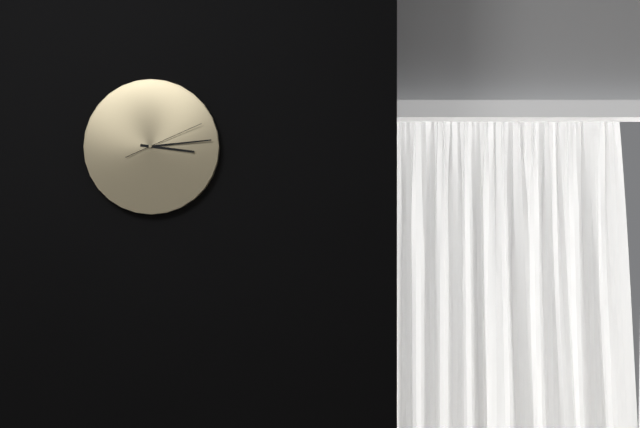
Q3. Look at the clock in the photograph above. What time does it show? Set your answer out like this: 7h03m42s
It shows 3h14m11s
